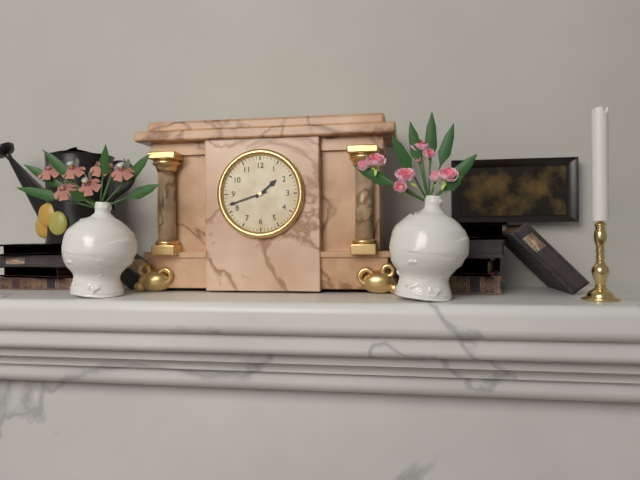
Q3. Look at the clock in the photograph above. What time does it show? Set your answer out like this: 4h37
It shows 1h42
